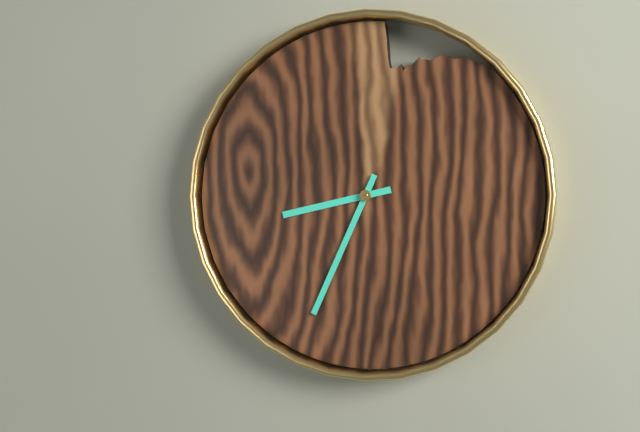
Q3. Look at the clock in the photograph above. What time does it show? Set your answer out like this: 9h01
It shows 8h34
